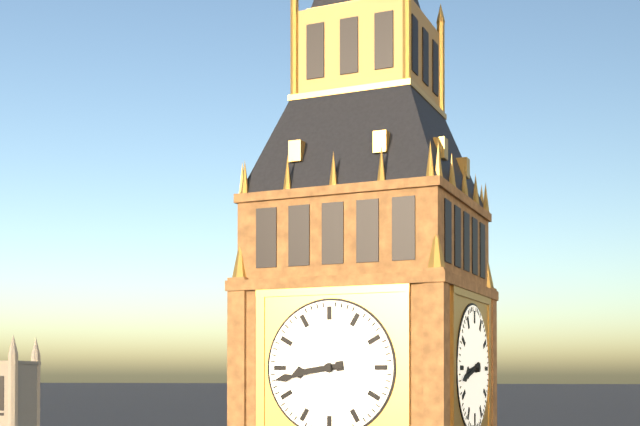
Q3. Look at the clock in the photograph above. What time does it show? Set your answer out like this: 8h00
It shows 8h43
